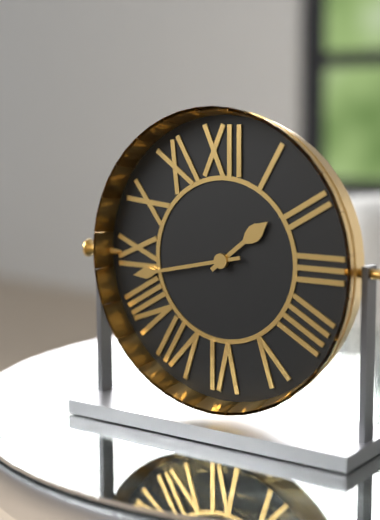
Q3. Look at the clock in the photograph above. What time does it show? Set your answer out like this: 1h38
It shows 1h43
